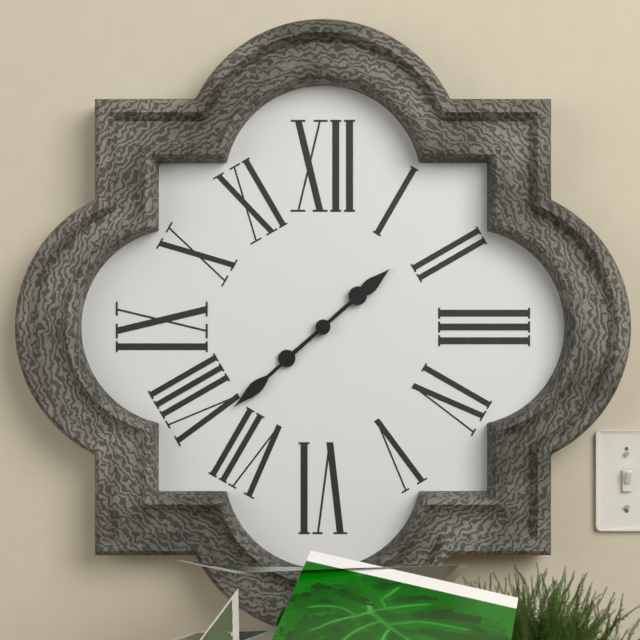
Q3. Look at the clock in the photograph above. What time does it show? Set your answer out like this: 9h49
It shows 1h38
